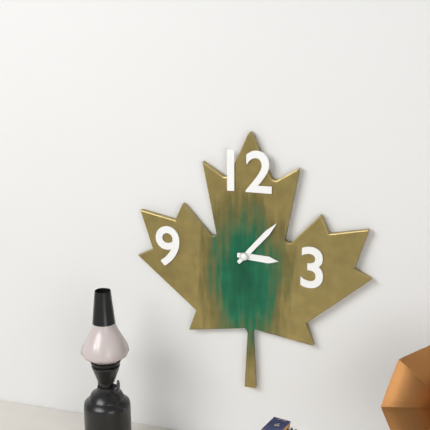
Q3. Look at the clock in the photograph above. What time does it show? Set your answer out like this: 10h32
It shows 3h07
